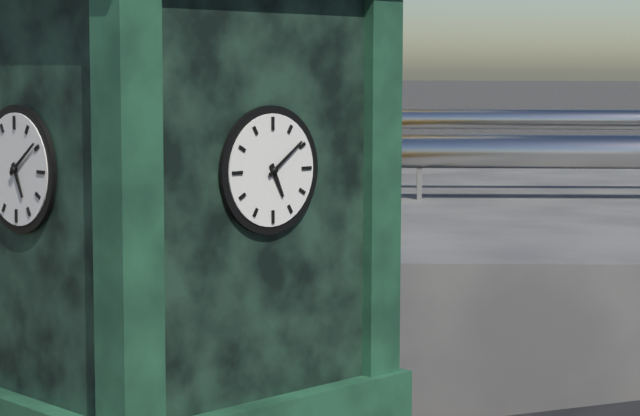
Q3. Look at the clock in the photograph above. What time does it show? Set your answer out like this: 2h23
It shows 5h09
